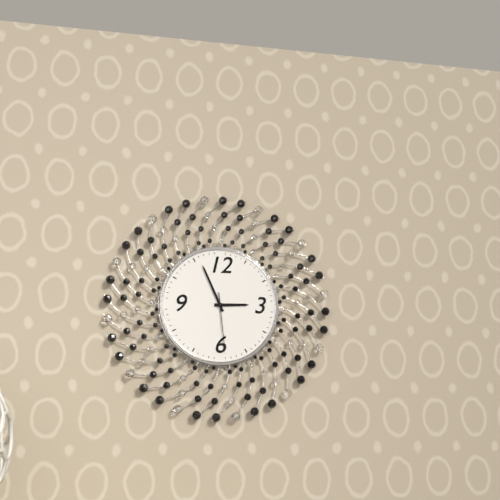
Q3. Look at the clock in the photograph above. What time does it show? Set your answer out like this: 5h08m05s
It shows 2h56m29s
